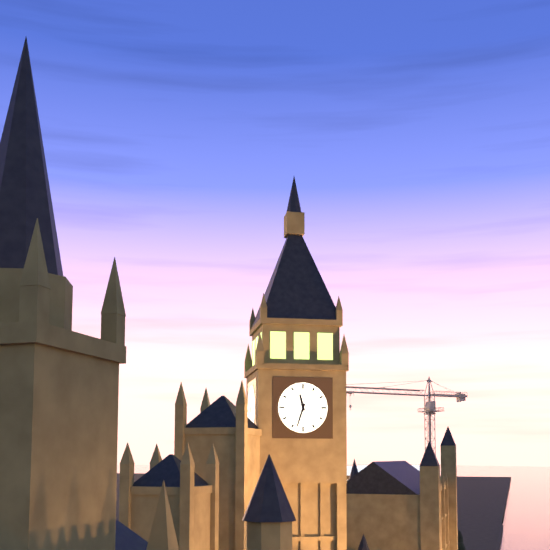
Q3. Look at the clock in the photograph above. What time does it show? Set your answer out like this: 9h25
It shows 11h33
